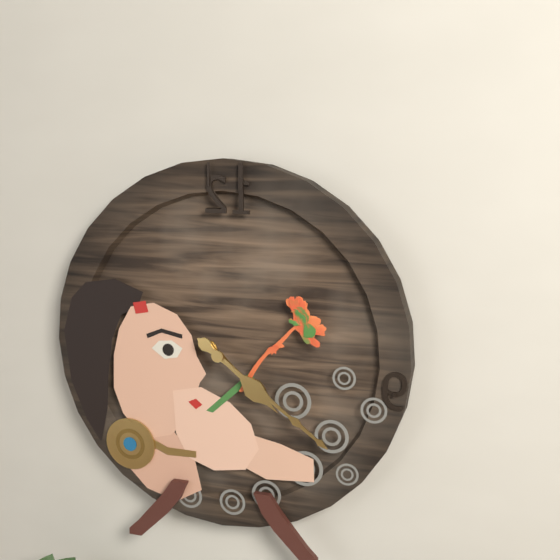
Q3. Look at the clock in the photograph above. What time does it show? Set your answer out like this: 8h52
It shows 4h21
